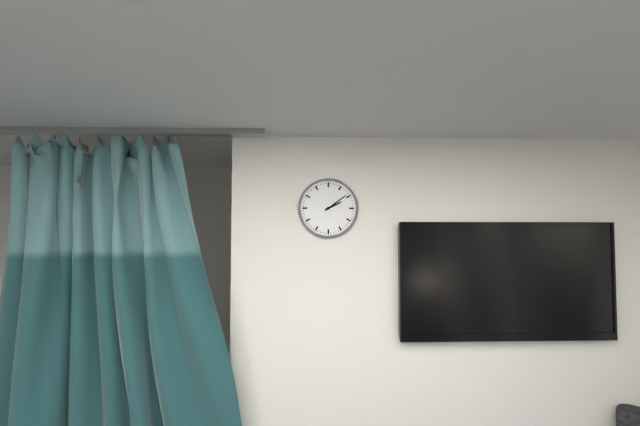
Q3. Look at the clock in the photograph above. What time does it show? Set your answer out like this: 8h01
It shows 2h09
